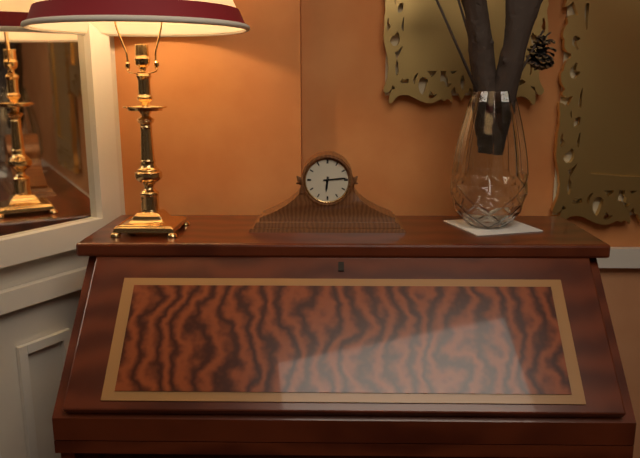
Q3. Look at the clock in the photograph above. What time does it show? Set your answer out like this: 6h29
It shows 6h14
